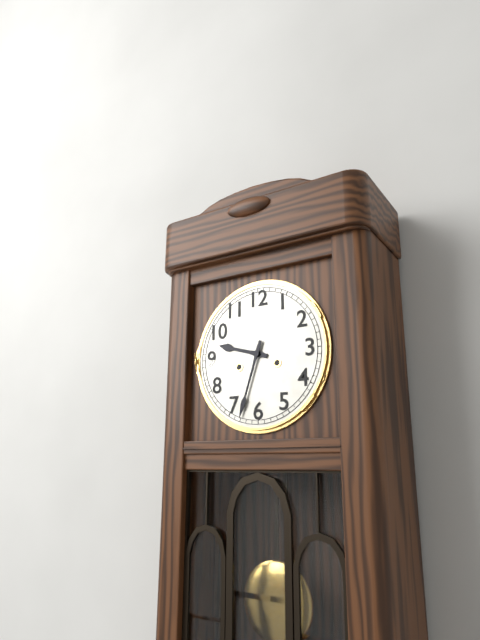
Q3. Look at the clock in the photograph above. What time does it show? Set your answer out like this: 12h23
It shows 9h33
